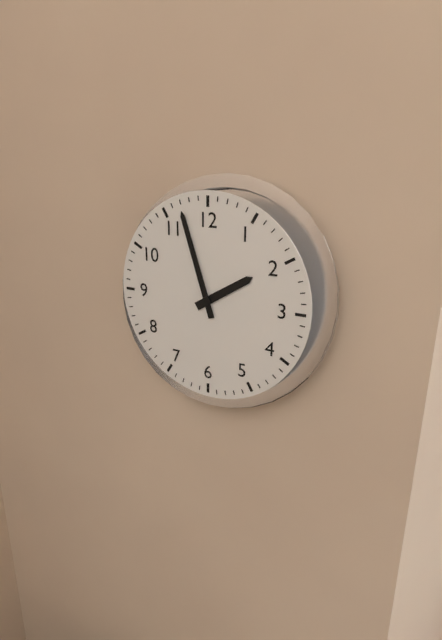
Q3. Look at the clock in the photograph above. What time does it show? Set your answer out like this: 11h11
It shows 1h57
